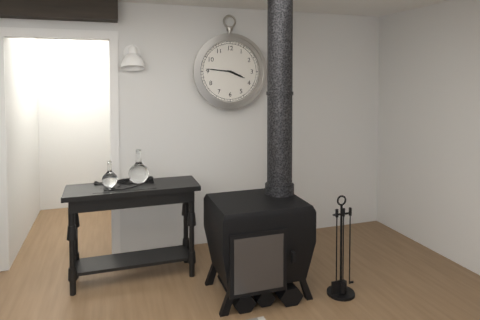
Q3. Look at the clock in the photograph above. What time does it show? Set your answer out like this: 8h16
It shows 3h46
